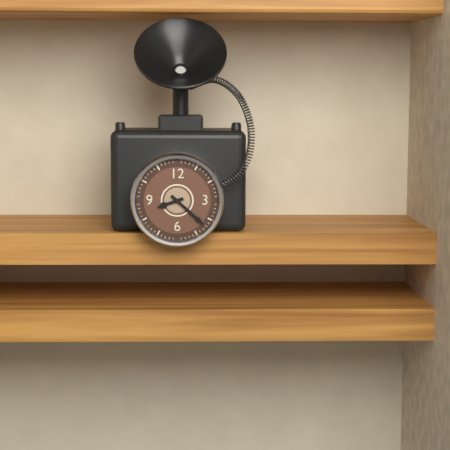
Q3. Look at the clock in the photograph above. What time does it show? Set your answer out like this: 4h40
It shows 8h22
